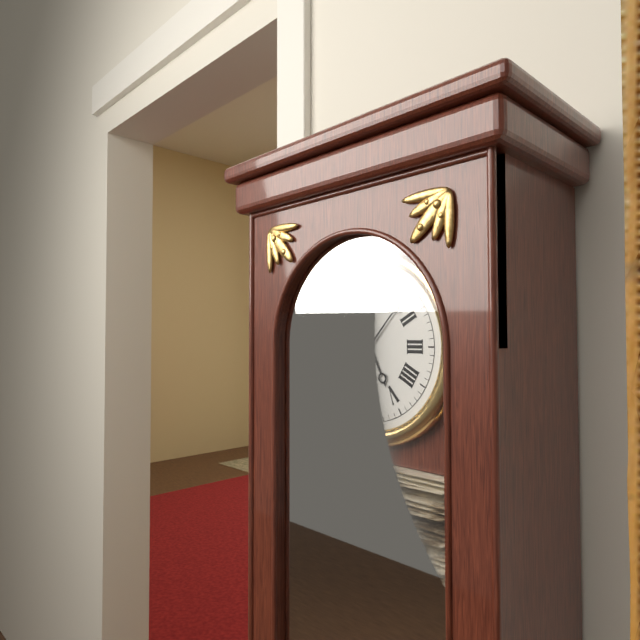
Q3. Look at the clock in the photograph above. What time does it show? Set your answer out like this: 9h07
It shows 5h07
